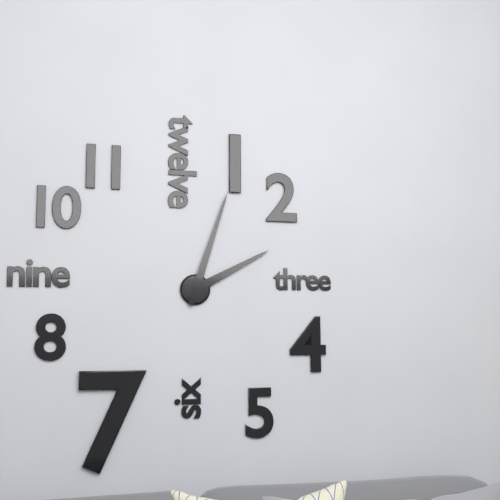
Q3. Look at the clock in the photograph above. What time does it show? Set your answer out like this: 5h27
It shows 2h03
